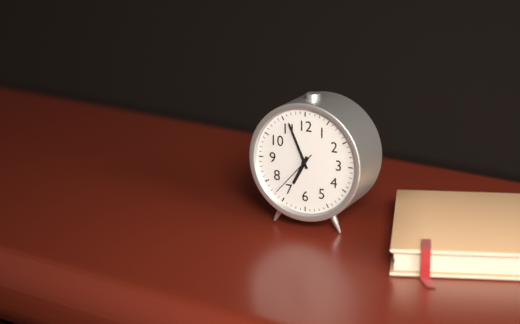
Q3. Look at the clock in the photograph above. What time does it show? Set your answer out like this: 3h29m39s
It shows 6h56m37s
